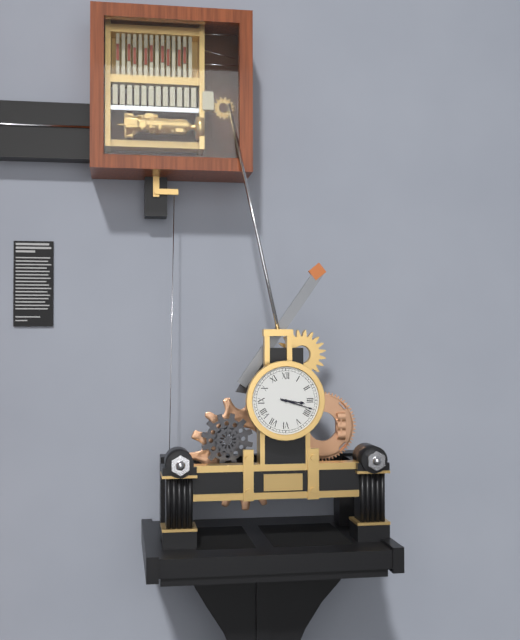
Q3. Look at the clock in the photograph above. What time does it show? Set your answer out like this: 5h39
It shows 3h18
